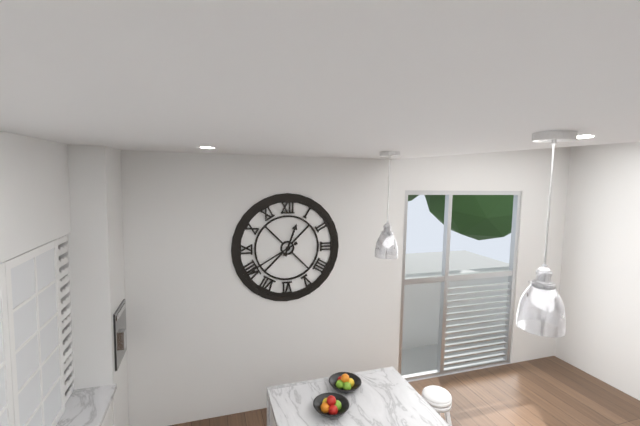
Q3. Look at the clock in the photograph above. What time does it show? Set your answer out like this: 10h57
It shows 12h40
